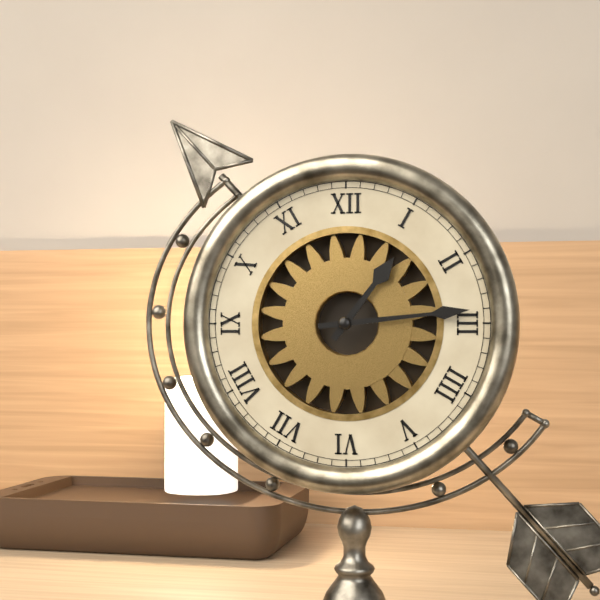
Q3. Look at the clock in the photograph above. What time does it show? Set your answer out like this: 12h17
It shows 1h14
